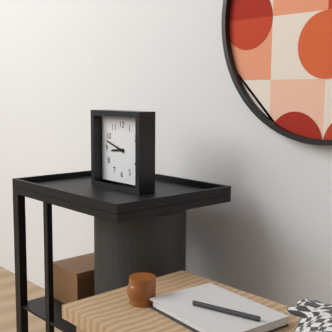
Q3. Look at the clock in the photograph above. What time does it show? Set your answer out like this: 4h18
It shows 8h48
